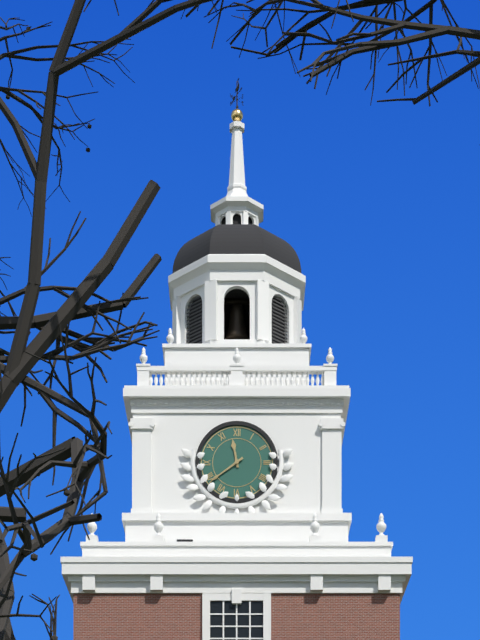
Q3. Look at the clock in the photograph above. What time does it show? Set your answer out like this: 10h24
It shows 11h39
